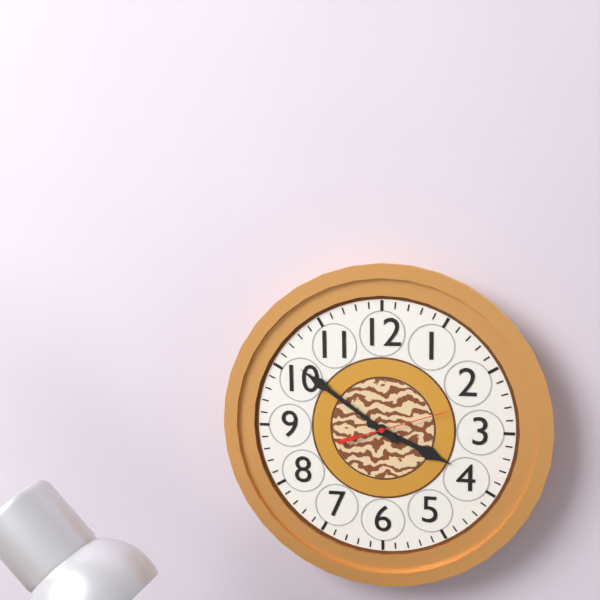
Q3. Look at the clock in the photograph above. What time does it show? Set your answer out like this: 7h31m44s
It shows 3h51m12s
